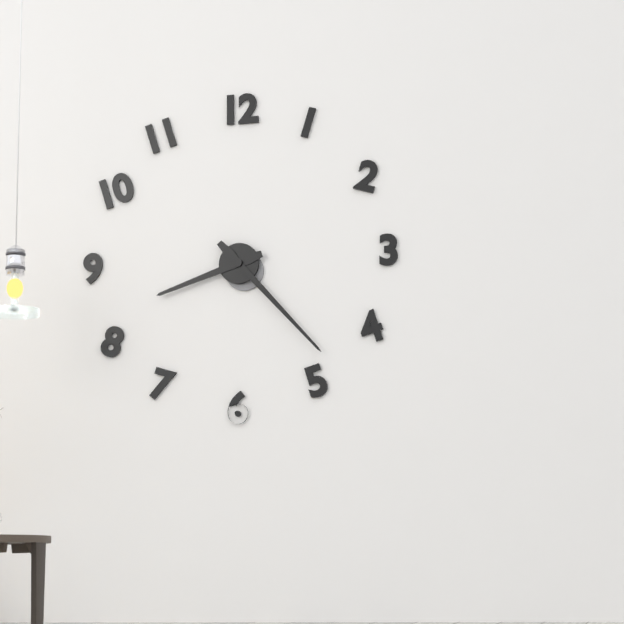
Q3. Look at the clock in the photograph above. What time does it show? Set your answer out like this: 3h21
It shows 8h23
